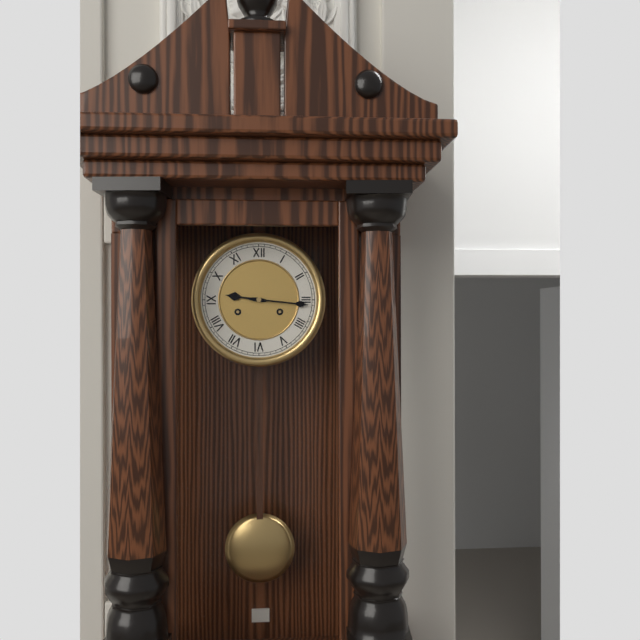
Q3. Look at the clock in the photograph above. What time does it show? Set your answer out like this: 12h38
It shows 9h16
